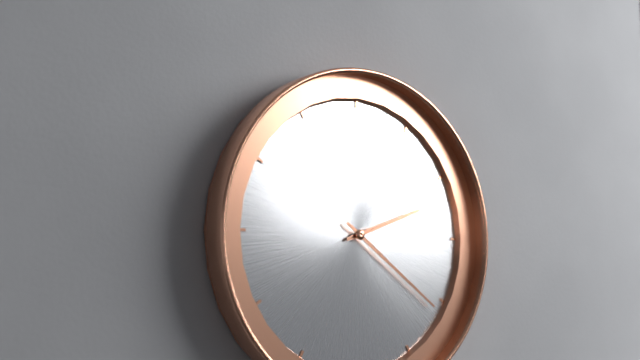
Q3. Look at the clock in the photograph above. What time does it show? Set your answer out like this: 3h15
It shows 2h21
